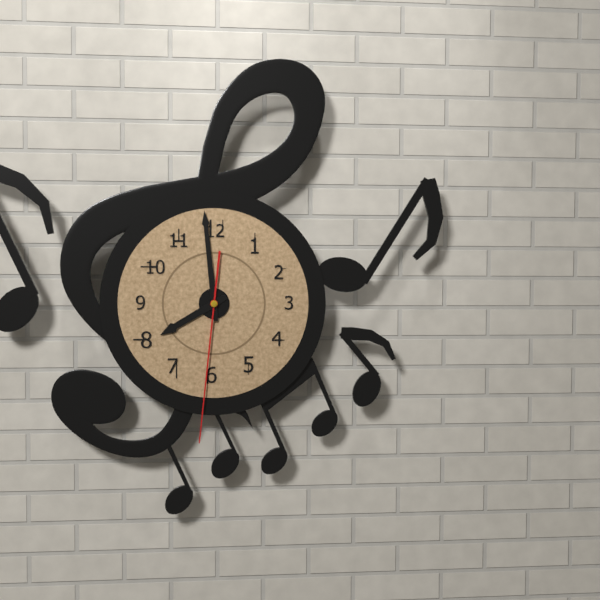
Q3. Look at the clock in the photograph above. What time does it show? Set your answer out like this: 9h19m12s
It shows 7h59m31s
